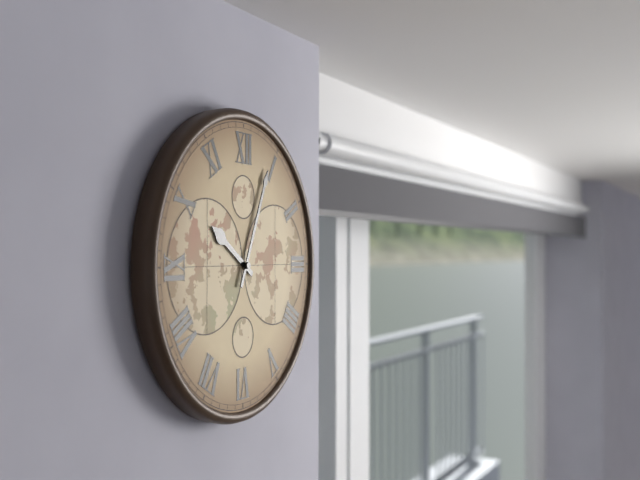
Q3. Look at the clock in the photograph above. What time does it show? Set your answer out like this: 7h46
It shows 10h04
